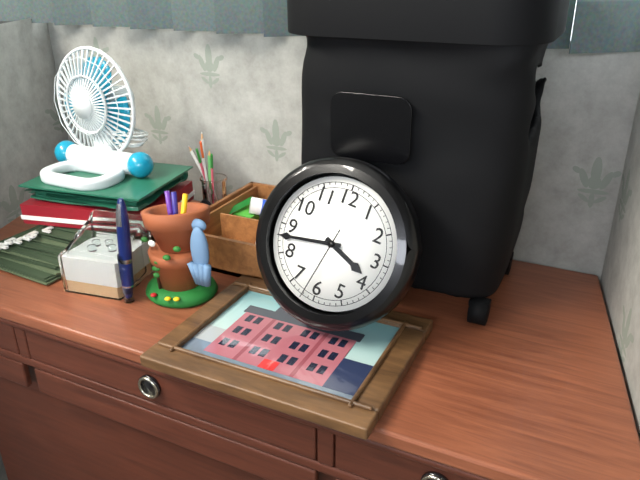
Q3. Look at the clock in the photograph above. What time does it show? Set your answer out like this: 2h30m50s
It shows 3h43m32s
